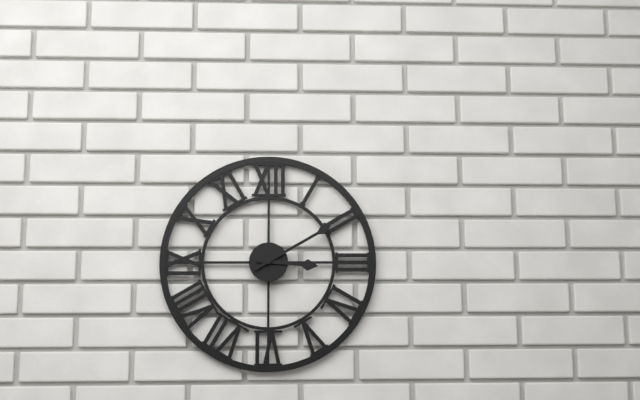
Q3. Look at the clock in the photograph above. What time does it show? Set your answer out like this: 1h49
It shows 3h10
